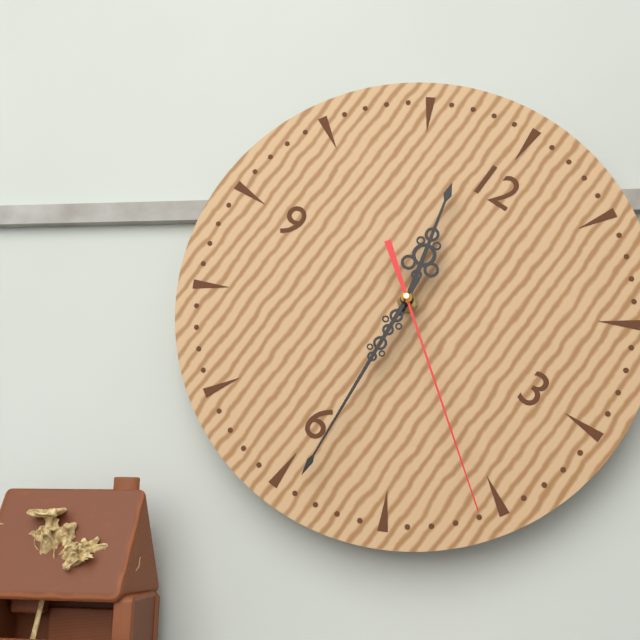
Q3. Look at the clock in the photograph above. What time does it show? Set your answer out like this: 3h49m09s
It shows 11h29m21s
